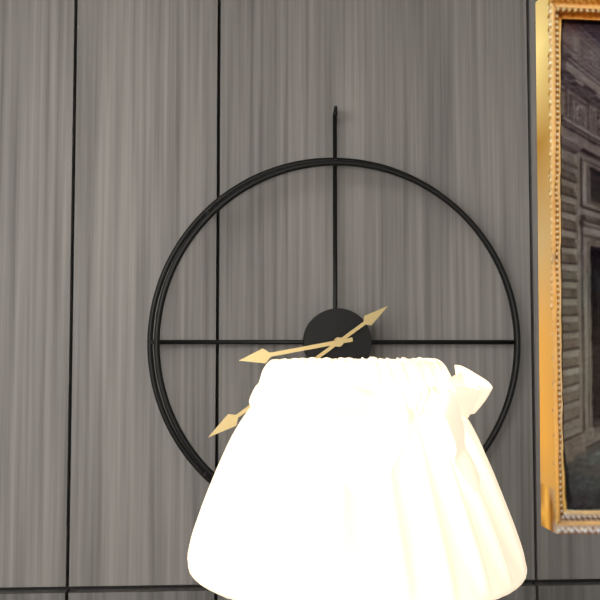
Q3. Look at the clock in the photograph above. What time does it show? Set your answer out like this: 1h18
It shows 8h39
